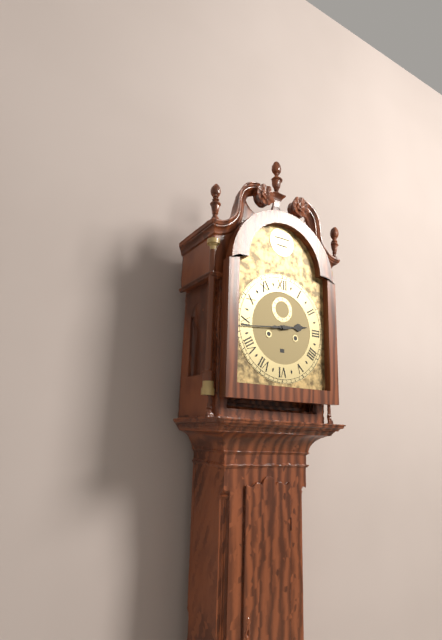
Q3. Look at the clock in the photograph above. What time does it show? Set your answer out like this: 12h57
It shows 2h44
